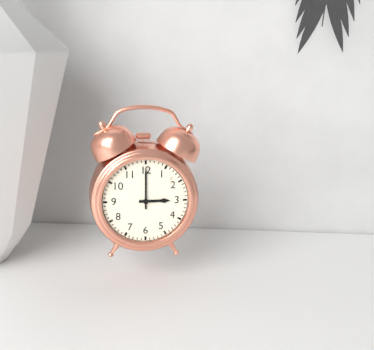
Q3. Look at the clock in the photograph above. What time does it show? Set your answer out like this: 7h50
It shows 3h00
